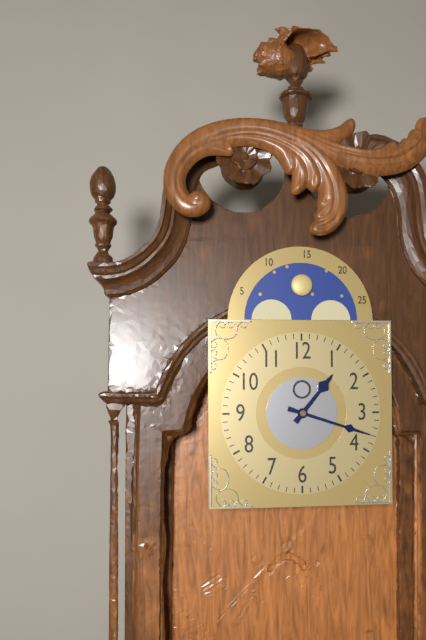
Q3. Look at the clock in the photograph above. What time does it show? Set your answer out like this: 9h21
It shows 1h18
